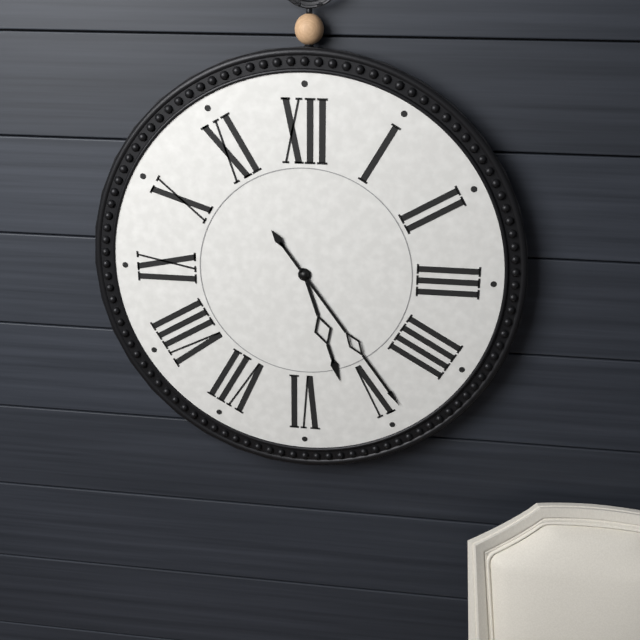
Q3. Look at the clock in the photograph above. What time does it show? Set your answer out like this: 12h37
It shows 5h24
